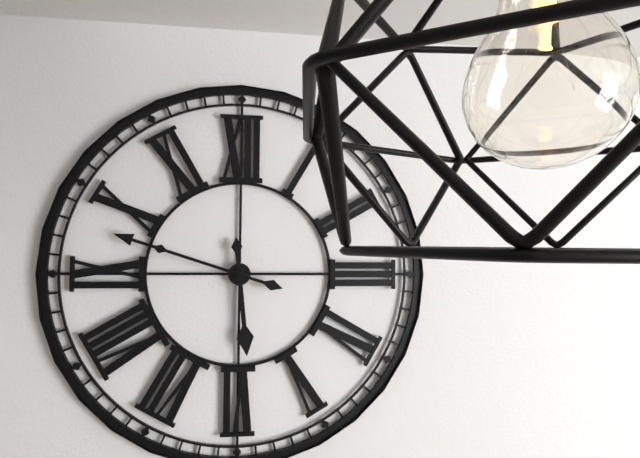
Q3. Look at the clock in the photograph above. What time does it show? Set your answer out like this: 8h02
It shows 5h48
